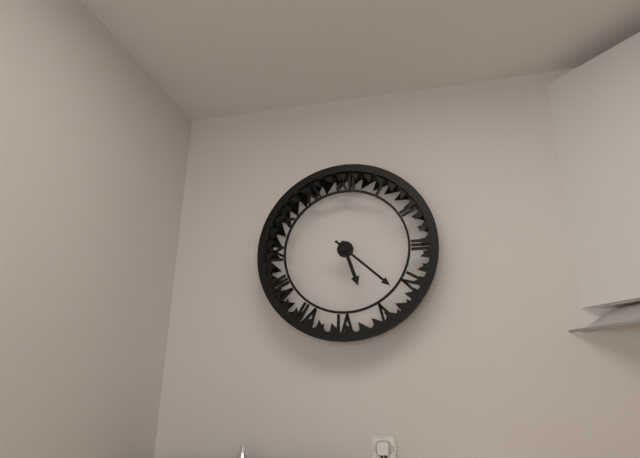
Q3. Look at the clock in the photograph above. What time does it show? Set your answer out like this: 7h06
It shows 5h22
